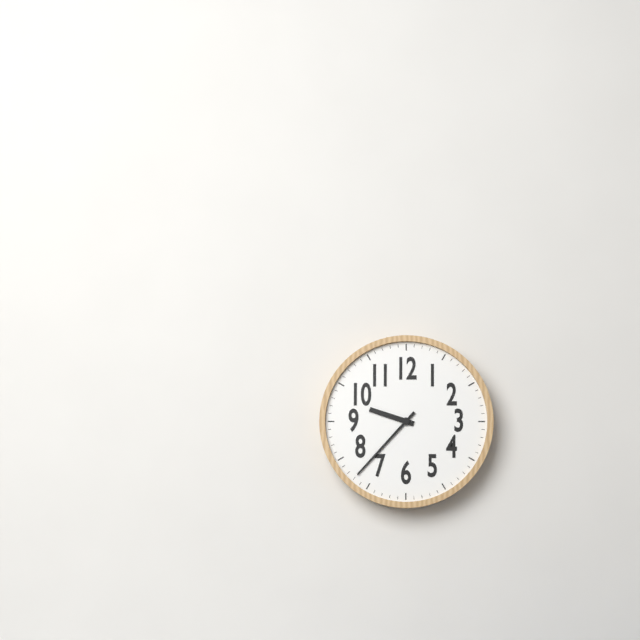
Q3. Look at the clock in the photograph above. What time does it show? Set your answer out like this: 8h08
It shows 9h37
